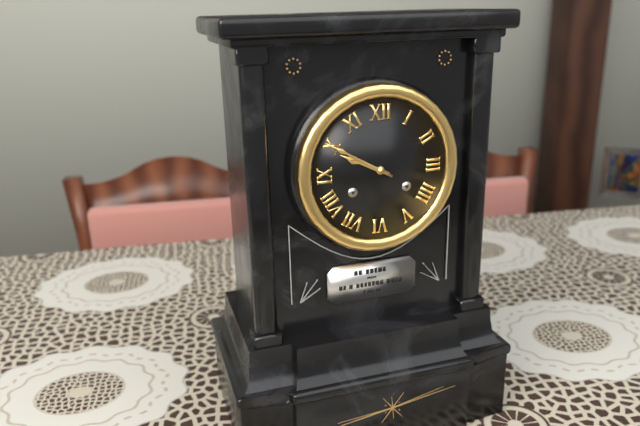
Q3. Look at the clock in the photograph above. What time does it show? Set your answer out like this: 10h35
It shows 9h50
